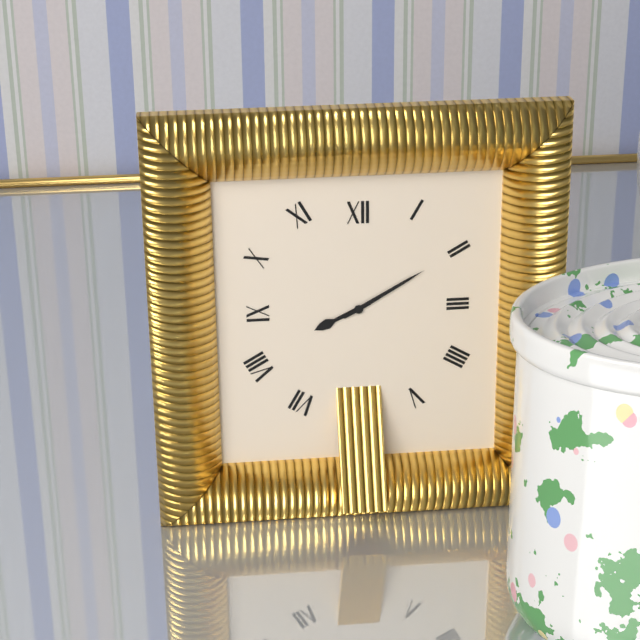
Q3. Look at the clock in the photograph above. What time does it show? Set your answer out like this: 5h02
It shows 8h10
